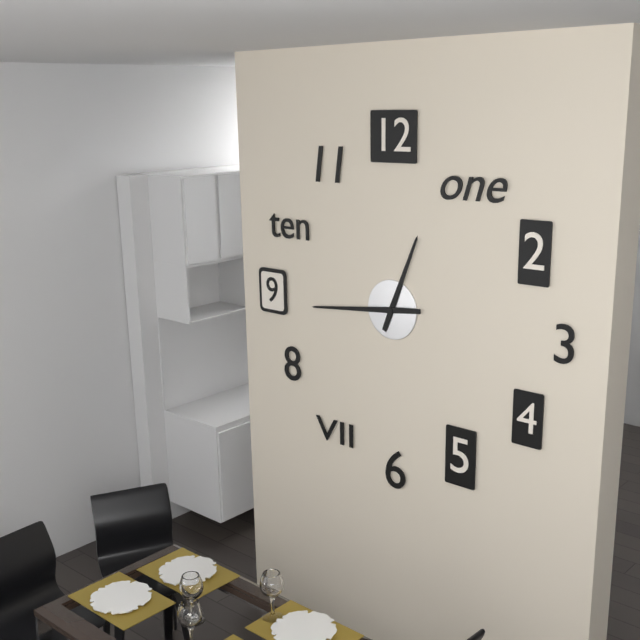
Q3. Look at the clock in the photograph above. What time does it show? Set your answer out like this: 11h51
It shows 12h44
